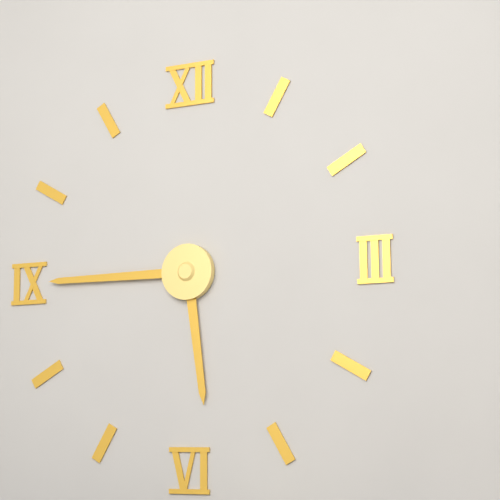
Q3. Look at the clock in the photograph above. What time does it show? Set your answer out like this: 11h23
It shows 5h45
